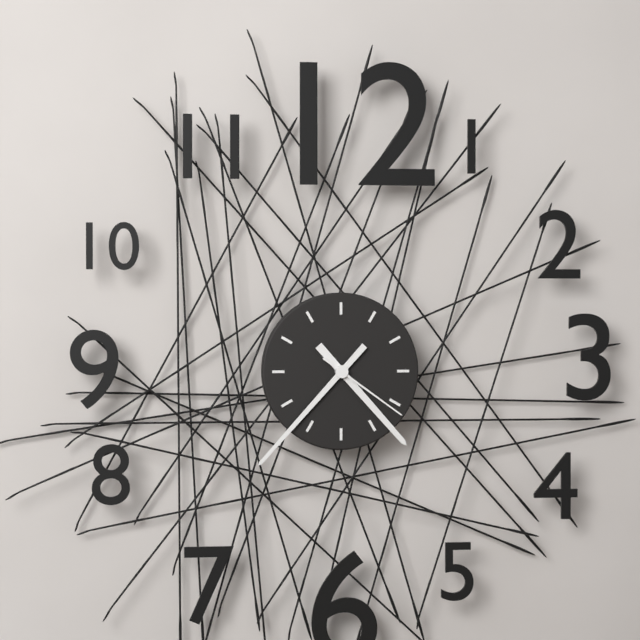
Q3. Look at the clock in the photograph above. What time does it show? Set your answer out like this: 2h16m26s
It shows 4h37m21s
